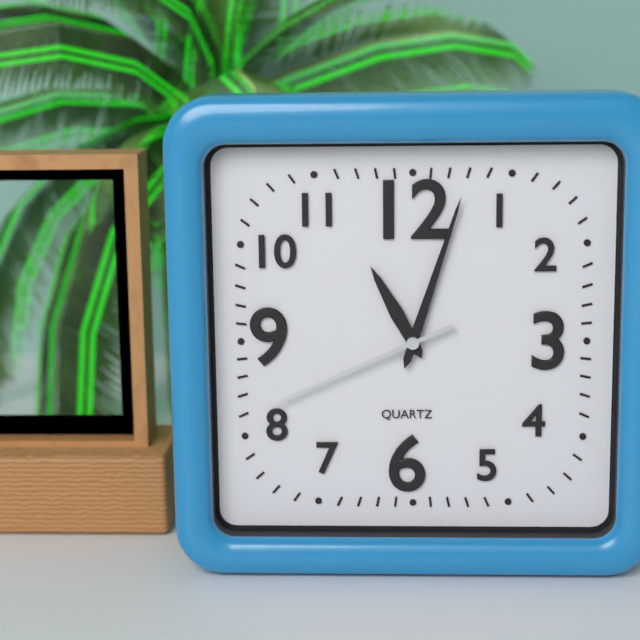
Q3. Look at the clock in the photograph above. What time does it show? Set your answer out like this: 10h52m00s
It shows 11h03m41s
